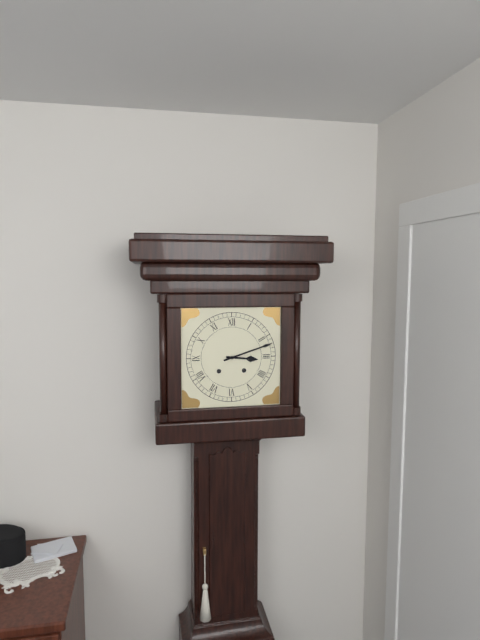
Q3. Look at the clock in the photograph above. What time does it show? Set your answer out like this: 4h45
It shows 3h12
